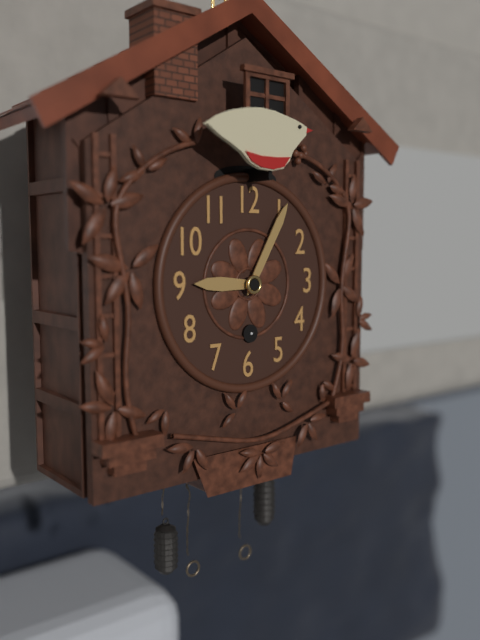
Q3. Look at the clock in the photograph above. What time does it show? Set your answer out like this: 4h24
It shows 9h05
